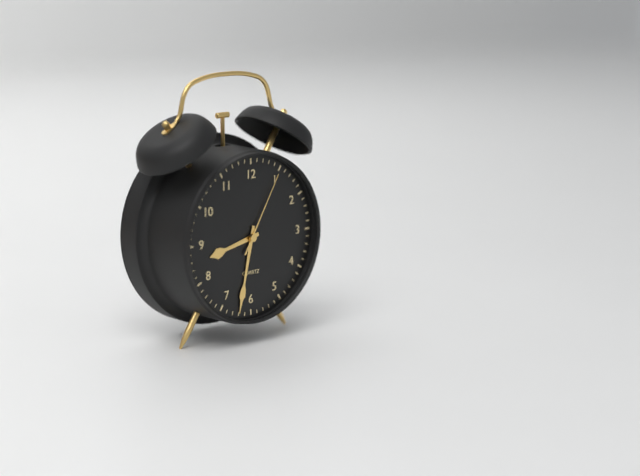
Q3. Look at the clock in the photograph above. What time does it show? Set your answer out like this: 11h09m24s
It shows 8h32m05s
